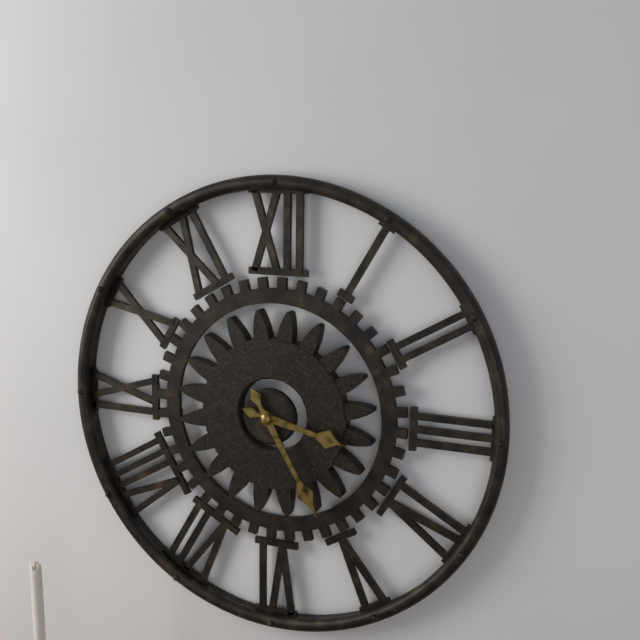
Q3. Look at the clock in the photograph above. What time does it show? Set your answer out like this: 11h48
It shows 3h25
